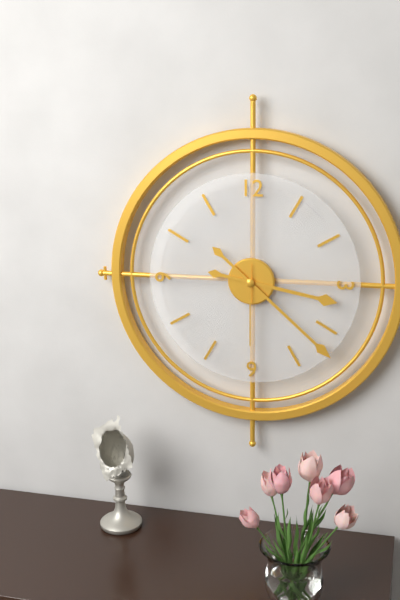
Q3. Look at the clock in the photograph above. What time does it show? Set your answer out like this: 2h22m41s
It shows 3h22m30s
